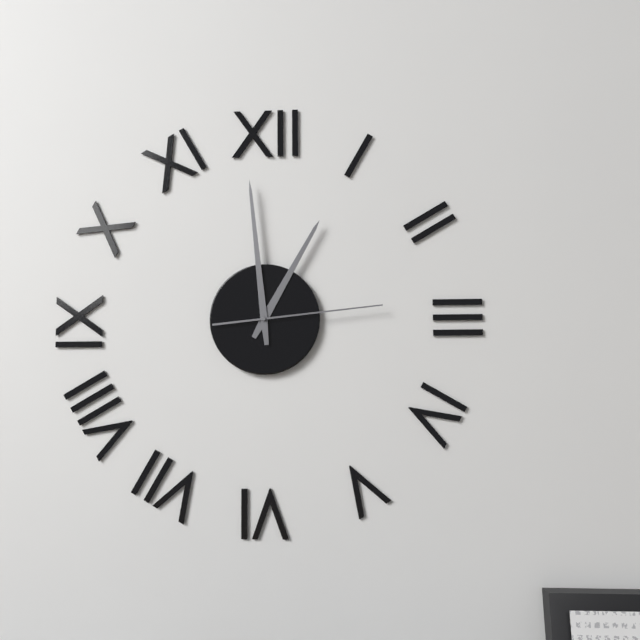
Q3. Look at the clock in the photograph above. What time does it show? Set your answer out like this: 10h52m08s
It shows 12h59m14s
